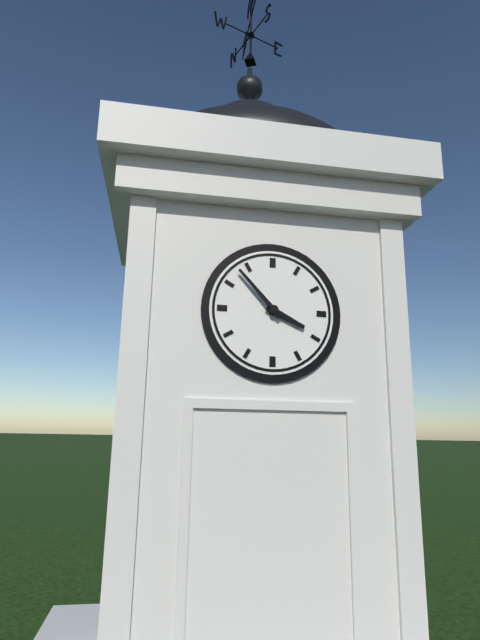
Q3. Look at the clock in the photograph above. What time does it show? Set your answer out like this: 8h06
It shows 3h53
